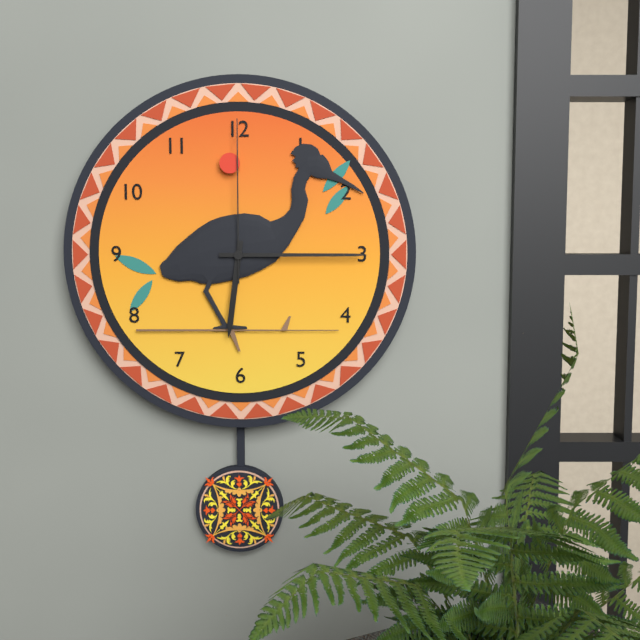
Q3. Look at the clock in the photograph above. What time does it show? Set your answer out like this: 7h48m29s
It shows 6h15m00s
